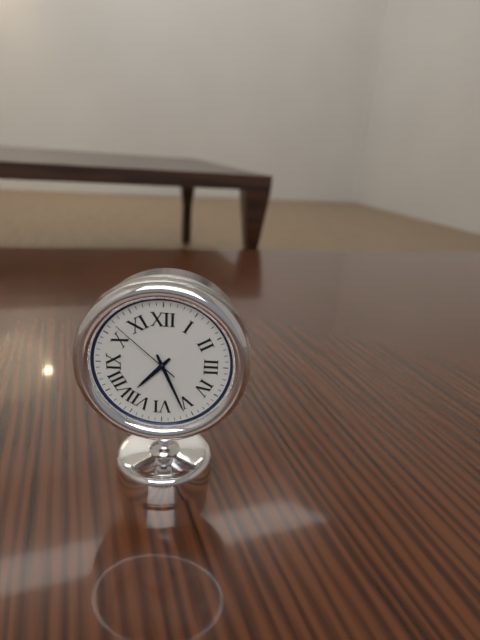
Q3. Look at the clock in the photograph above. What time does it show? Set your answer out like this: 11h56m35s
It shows 7h26m52s
